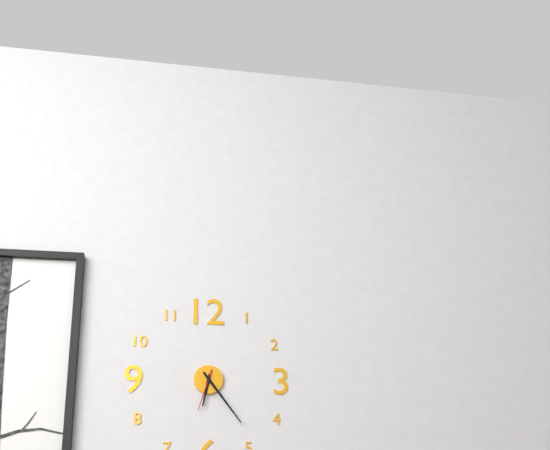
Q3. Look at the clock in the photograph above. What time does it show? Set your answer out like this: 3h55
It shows 6h24
